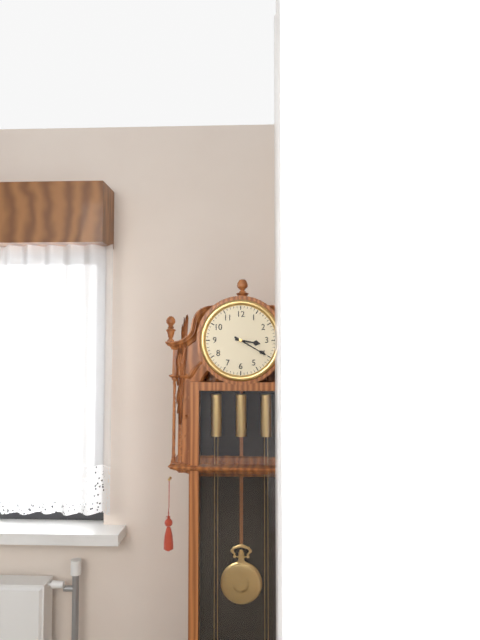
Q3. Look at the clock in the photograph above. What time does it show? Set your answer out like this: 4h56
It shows 3h20
